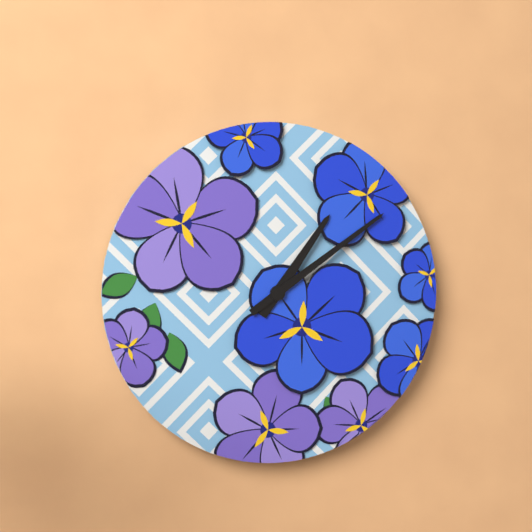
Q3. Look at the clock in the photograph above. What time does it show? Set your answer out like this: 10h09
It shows 1h09
